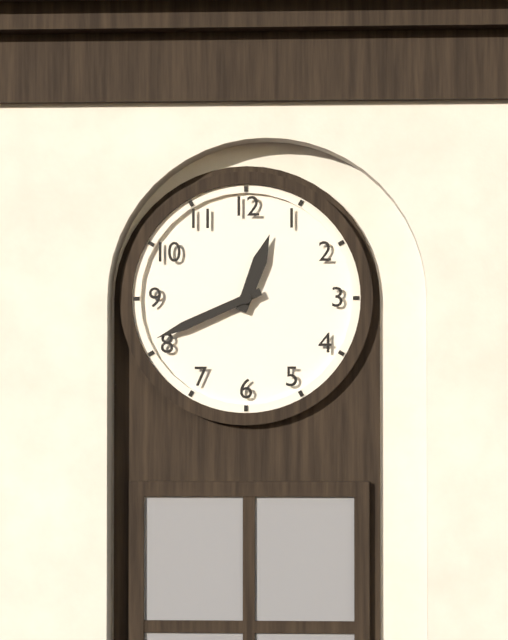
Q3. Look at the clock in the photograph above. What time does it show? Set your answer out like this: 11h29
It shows 12h41
